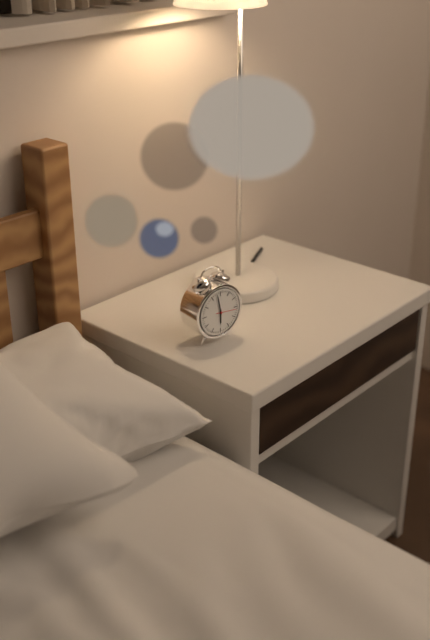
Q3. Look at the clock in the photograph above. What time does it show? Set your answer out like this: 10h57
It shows 5h58
